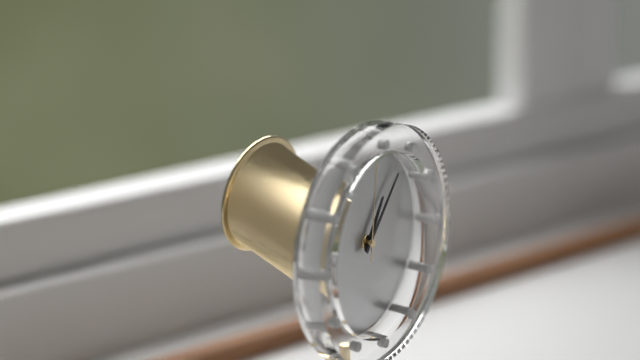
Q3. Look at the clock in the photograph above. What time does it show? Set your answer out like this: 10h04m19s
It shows 1h07m01s
